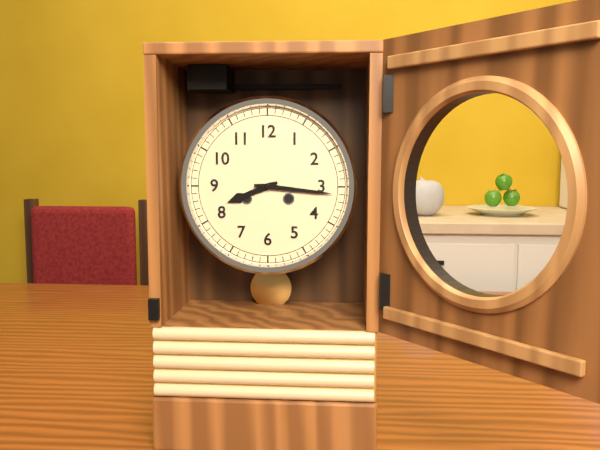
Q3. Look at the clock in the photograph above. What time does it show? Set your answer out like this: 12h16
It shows 8h16
